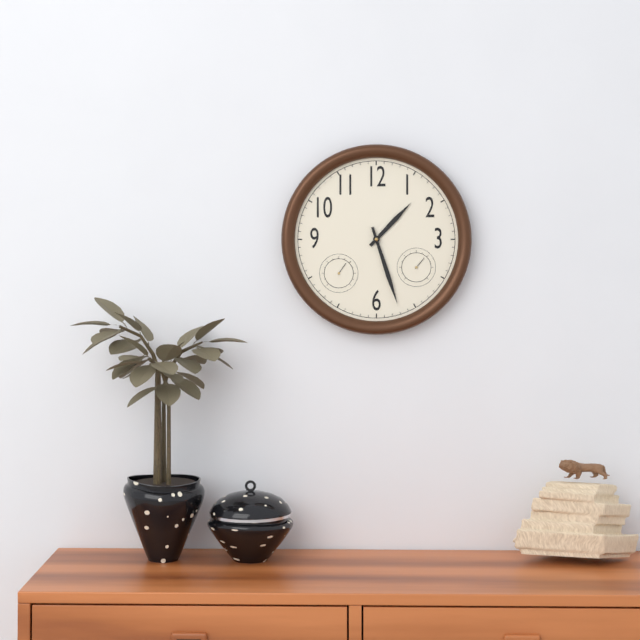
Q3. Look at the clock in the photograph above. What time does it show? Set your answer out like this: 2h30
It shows 1h27
